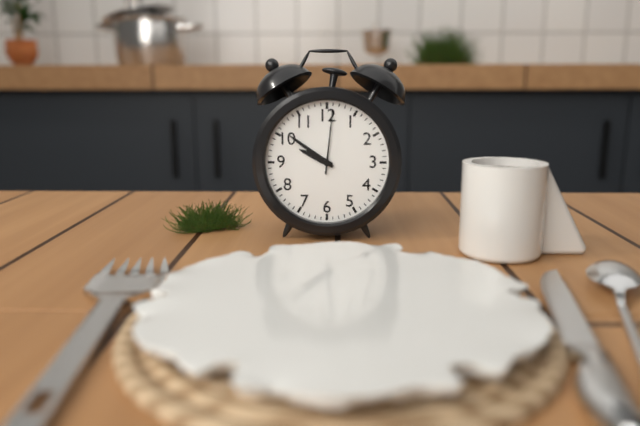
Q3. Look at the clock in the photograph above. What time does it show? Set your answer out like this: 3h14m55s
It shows 9h51m01s
